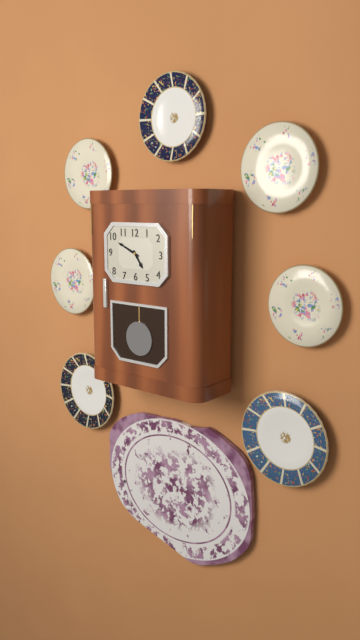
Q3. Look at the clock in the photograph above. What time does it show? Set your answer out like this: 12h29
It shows 4h49
